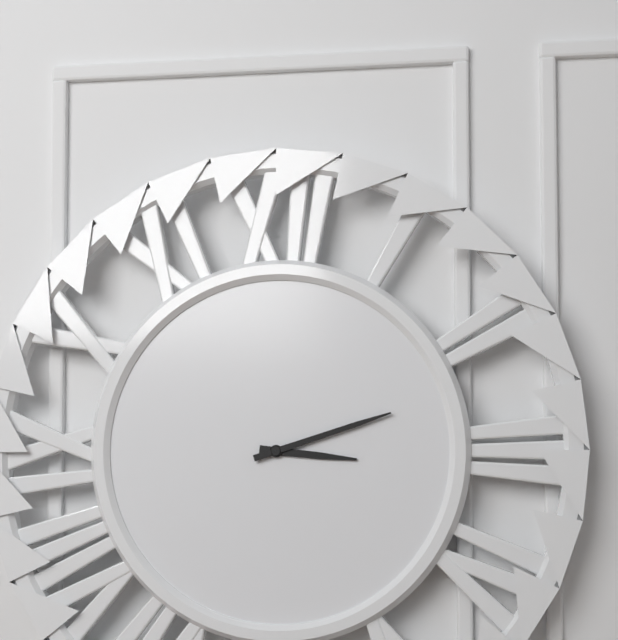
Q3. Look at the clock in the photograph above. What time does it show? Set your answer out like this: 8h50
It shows 3h12
